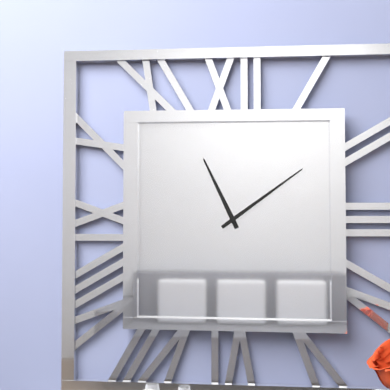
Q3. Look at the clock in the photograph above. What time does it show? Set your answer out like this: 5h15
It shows 11h09
